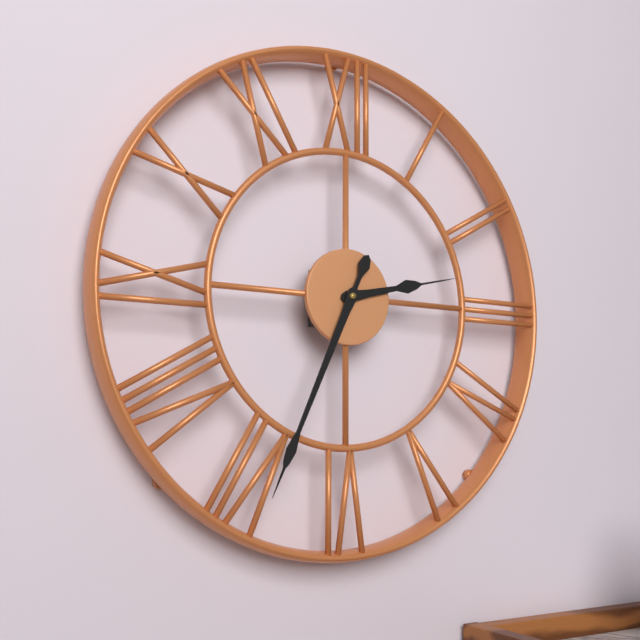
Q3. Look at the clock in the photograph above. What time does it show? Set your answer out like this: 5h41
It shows 2h34
